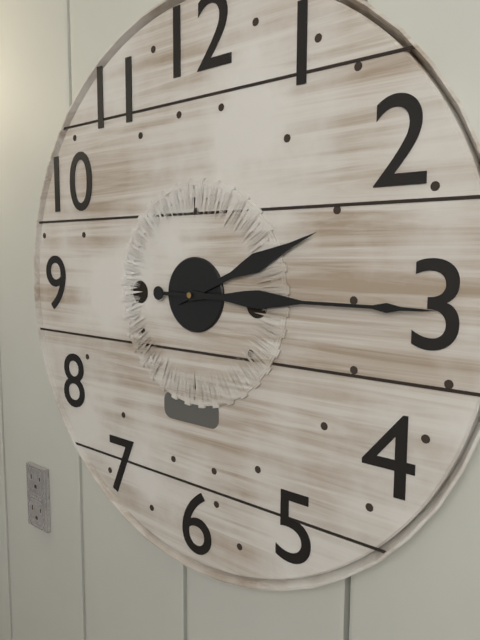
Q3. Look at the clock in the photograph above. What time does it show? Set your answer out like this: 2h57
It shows 2h15
